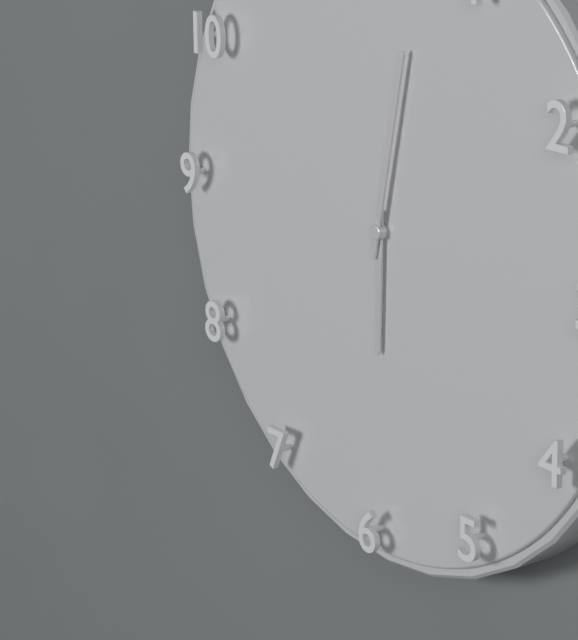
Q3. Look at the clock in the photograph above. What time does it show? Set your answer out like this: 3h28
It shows 6h02
